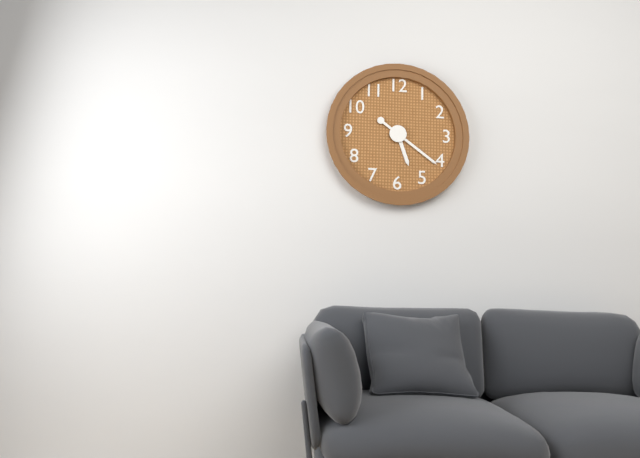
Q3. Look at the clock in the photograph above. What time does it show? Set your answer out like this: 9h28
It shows 5h21
